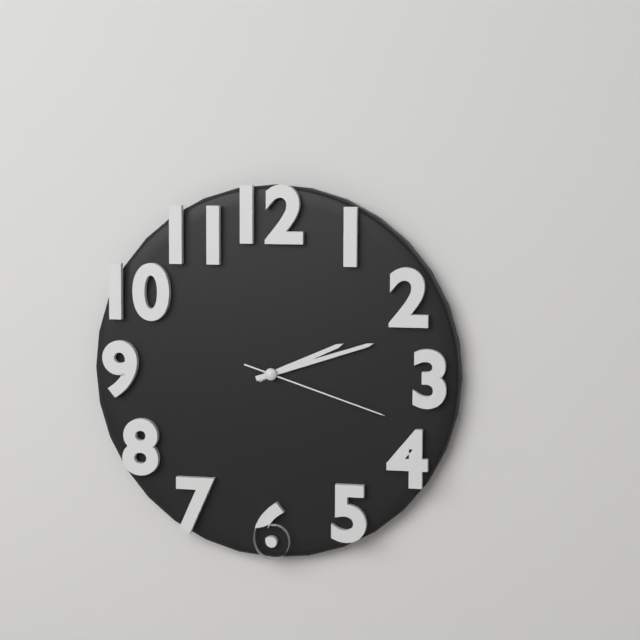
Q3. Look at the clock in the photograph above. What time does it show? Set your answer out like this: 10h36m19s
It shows 2h12m18s
